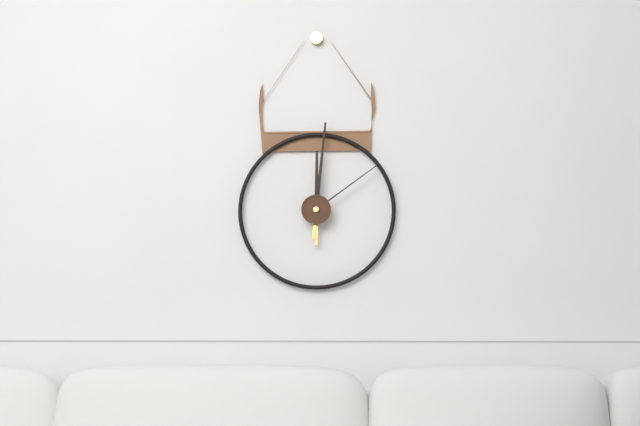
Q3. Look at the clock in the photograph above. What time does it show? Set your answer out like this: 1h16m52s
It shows 12h01m09s
